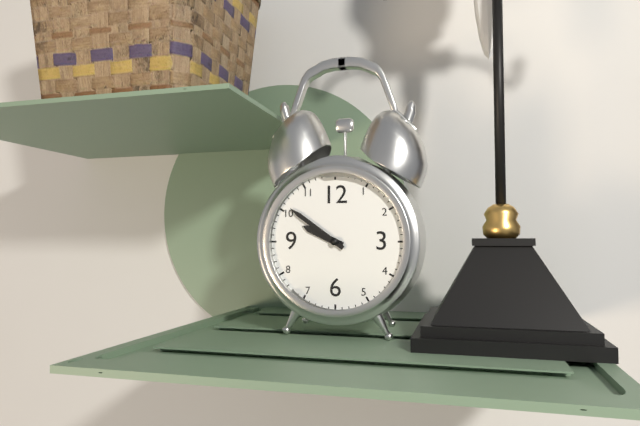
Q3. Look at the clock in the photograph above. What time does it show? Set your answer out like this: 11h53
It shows 9h51
